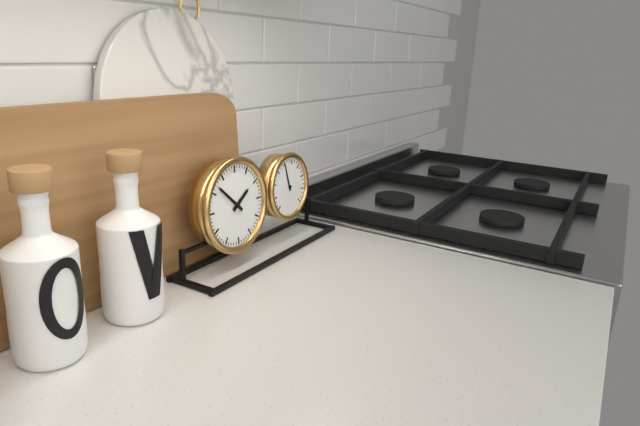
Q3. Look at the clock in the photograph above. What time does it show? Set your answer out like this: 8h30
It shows 1h52
